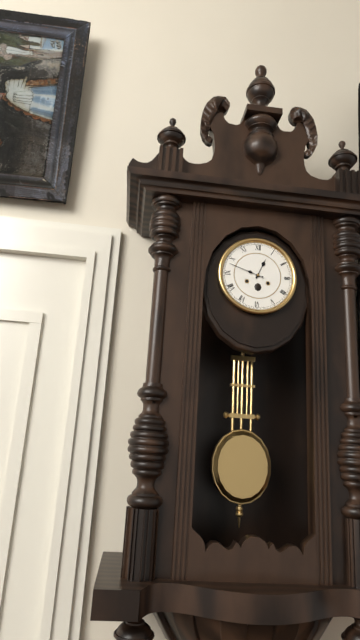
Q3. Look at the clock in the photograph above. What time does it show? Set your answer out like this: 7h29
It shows 12h48
